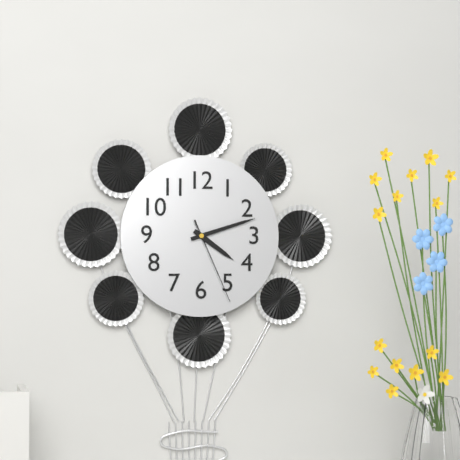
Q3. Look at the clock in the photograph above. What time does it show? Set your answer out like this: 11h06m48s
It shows 4h12m26s
